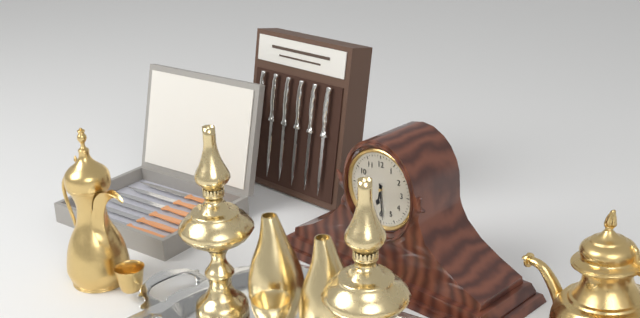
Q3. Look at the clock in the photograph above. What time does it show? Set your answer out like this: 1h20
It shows 6h29
